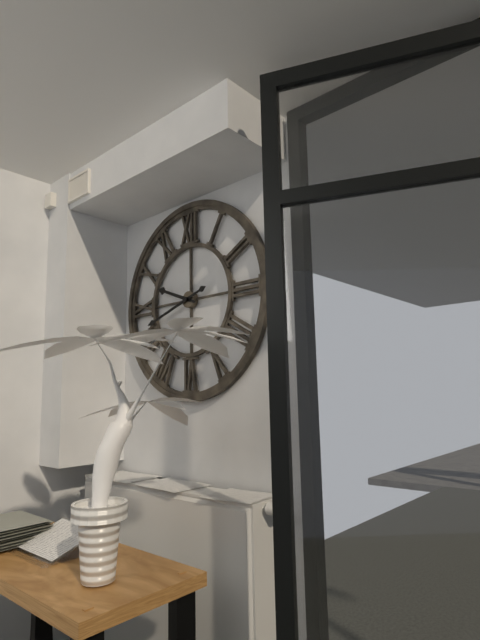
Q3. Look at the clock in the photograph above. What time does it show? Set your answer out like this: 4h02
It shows 9h42
